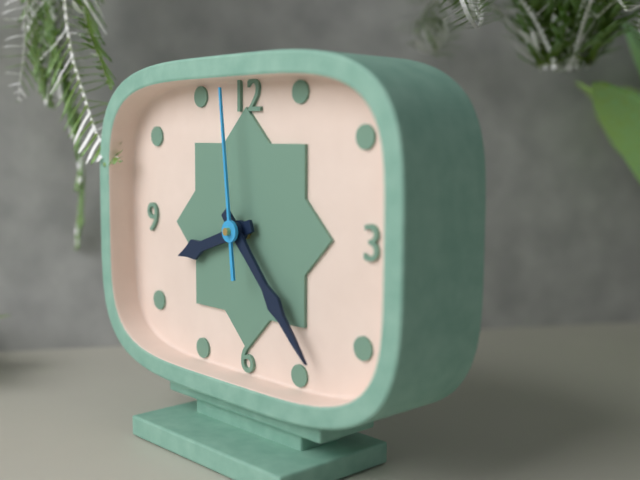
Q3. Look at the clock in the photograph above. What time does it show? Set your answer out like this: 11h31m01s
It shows 8h23m59s
